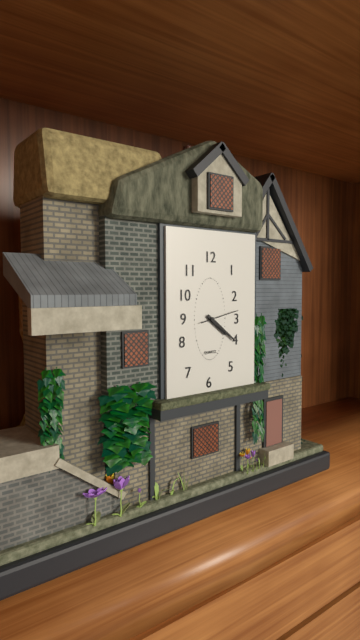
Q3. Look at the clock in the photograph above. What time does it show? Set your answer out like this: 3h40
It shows 4h21
